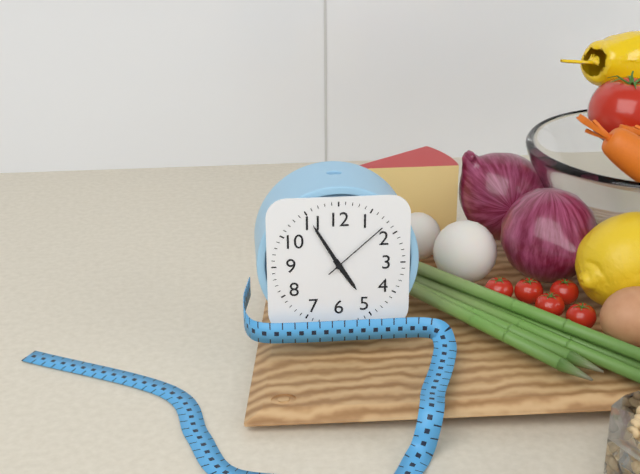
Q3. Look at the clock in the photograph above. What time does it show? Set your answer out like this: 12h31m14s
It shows 4h55m08s
